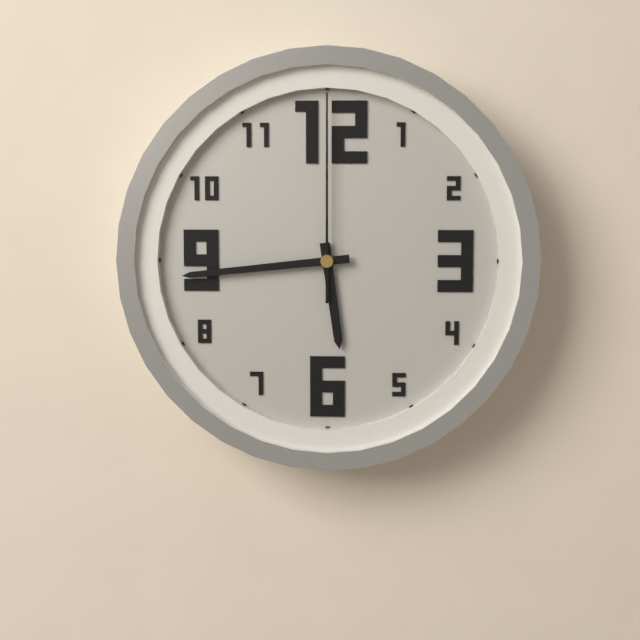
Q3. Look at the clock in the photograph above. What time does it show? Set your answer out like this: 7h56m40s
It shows 5h44m00s
